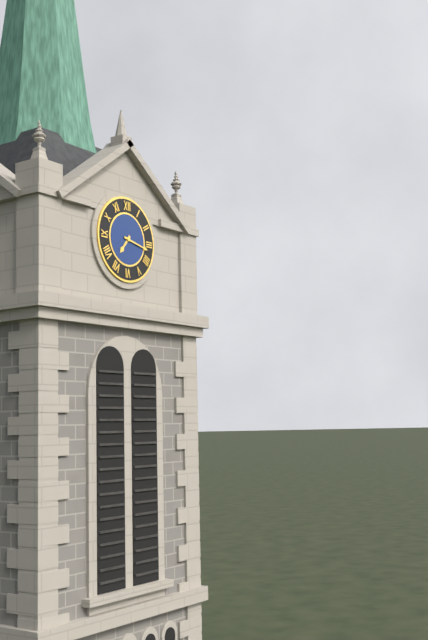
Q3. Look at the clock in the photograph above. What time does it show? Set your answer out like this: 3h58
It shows 7h17
